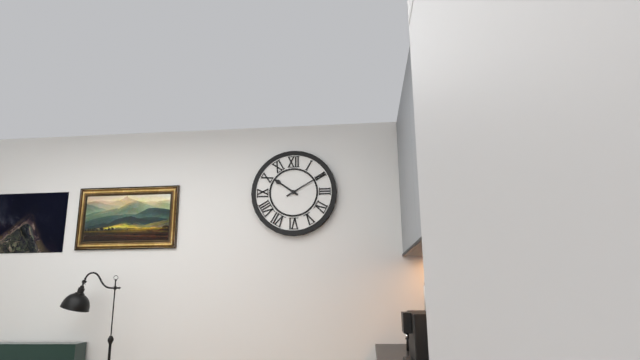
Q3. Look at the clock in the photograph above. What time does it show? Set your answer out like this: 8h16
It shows 10h10
